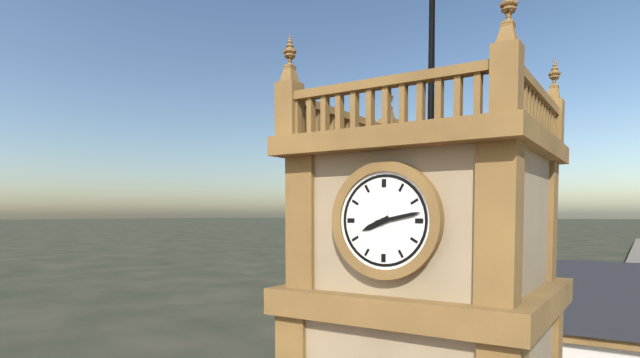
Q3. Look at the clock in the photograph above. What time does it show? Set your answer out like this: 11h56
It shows 8h13
